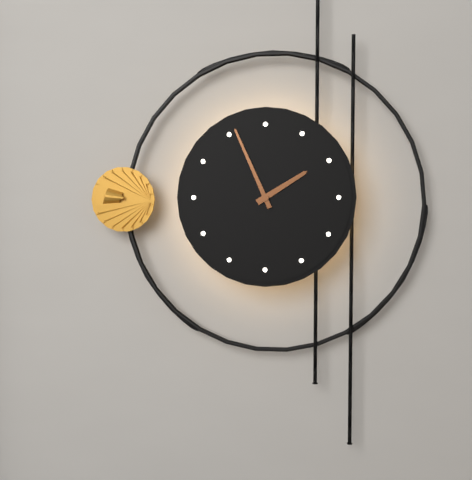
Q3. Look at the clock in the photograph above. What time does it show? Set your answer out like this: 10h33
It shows 1h56
